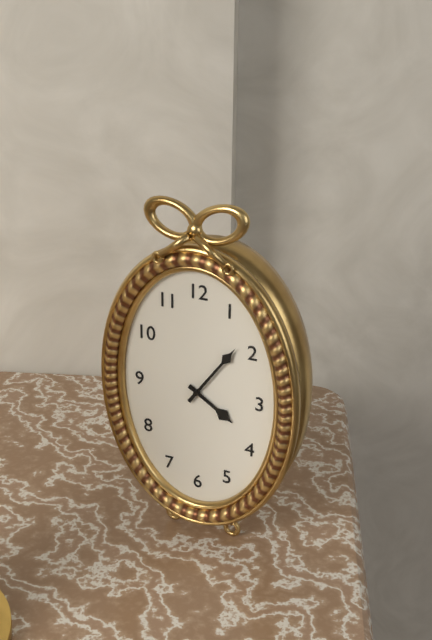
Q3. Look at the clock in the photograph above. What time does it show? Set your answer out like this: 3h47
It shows 4h06
